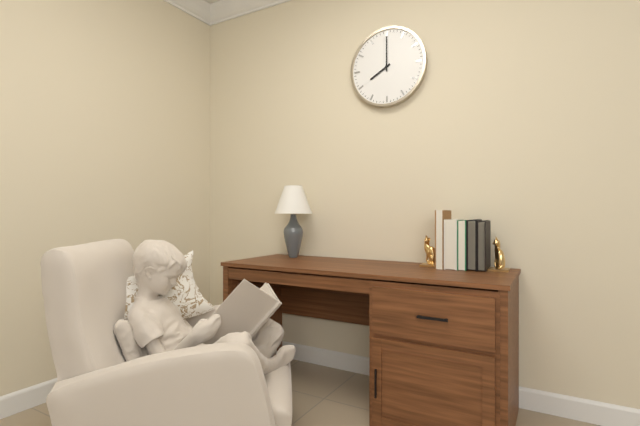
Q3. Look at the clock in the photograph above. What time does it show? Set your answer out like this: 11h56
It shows 8h00
